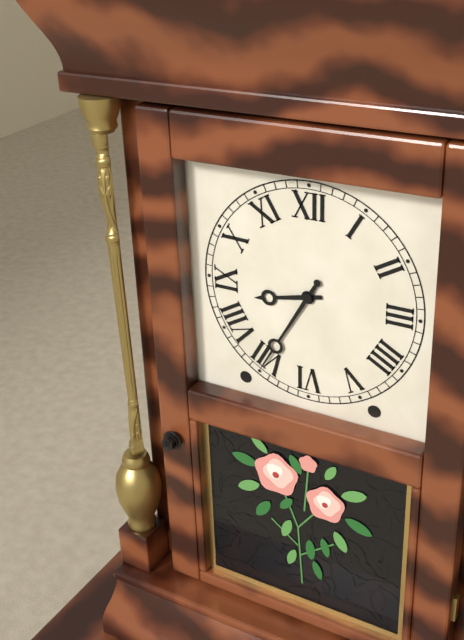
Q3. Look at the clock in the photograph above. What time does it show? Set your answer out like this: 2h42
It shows 8h35
